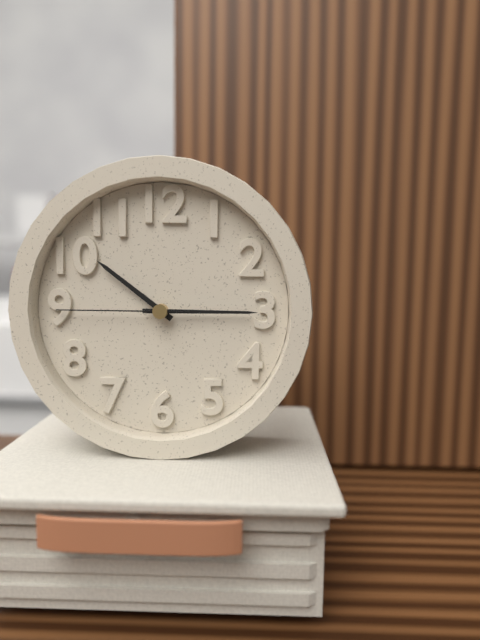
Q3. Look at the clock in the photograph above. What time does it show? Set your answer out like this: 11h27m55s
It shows 10h15m45s
